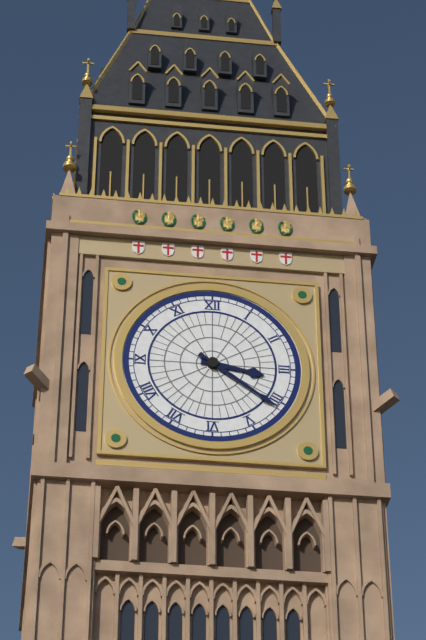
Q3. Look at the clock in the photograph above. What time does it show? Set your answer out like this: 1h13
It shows 3h21
